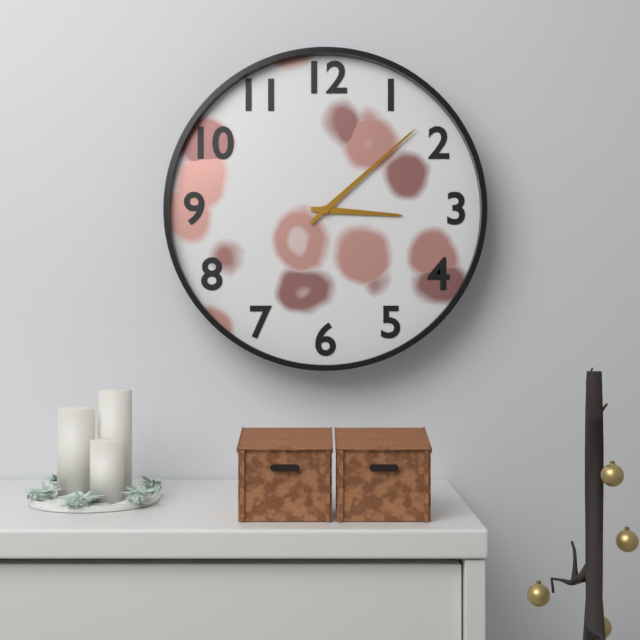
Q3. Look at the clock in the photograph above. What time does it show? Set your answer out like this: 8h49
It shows 3h08
